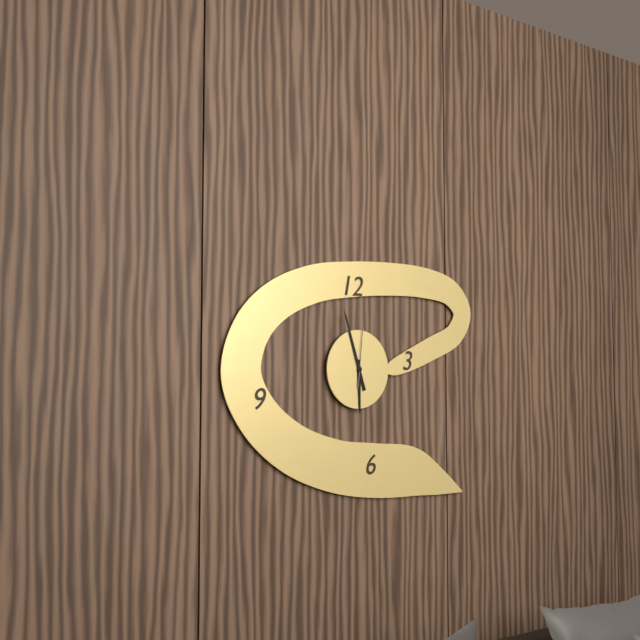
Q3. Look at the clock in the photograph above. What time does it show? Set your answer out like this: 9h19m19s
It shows 5h57m01s
